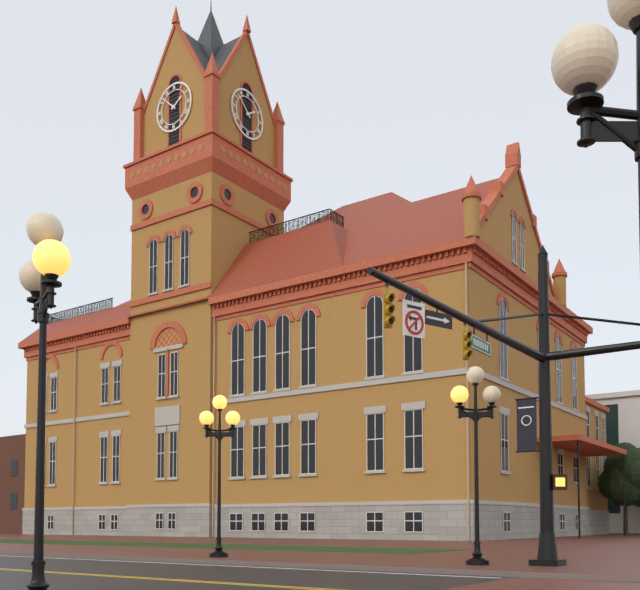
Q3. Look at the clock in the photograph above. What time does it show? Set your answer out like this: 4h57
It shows 1h52
